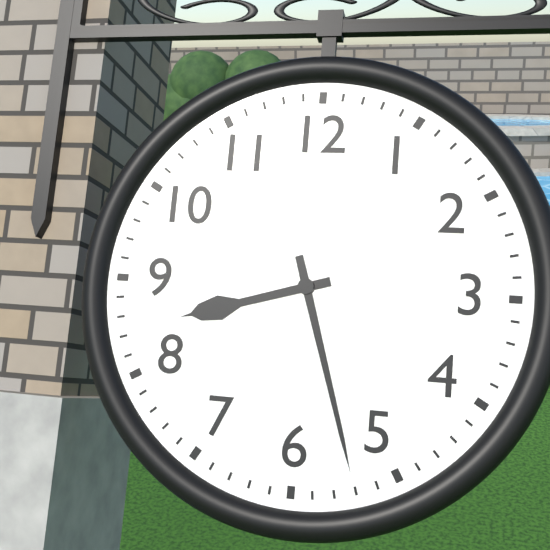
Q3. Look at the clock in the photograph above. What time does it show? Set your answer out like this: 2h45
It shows 8h27
